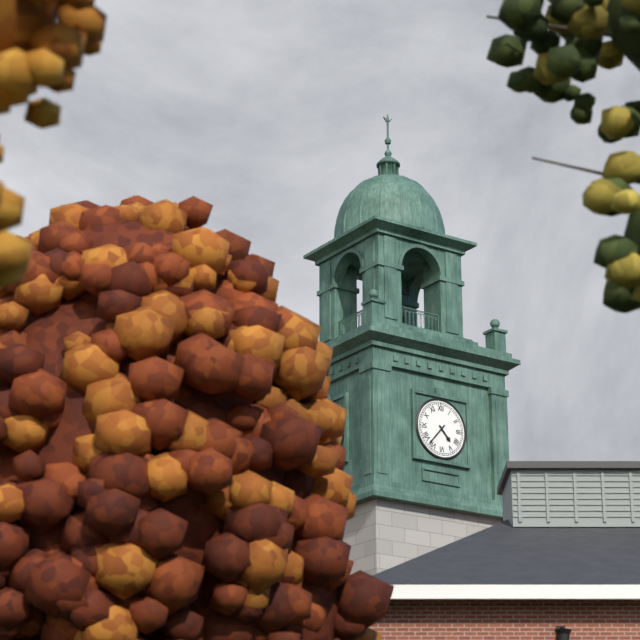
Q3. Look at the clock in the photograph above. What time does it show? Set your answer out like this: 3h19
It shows 4h37
